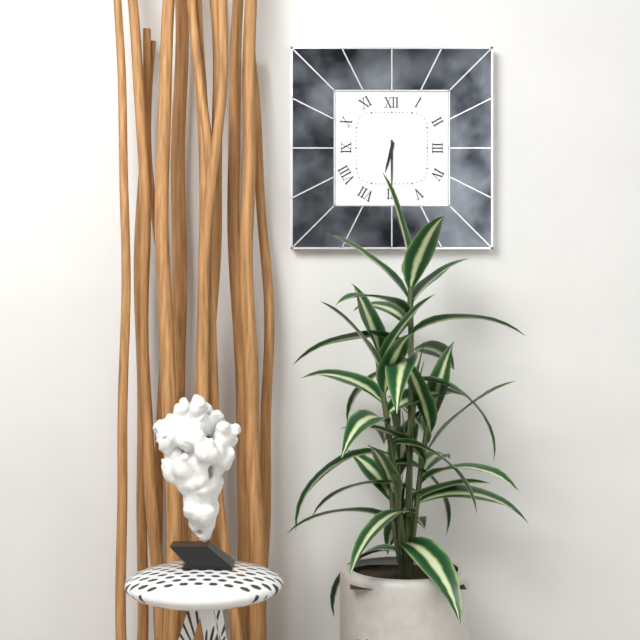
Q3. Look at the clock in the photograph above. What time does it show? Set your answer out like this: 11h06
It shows 6h30
